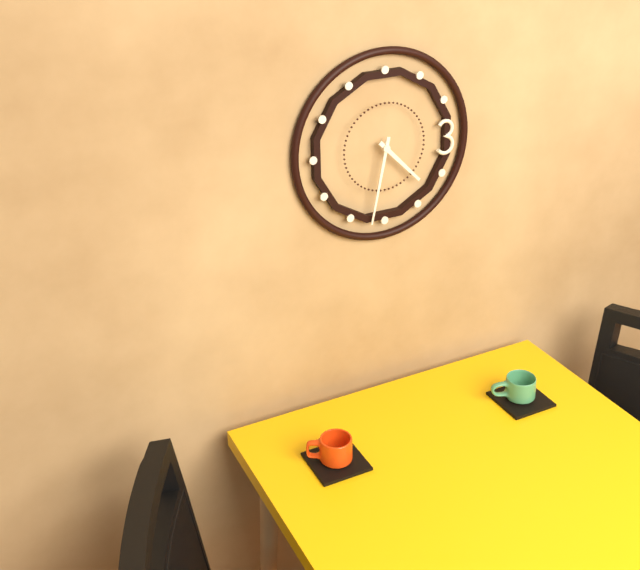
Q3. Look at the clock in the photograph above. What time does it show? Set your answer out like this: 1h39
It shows 4h32
